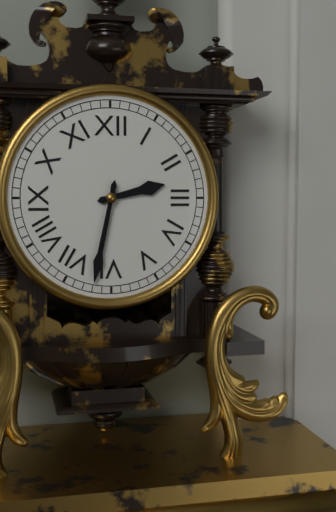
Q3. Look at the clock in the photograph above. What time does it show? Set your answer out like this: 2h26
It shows 2h32
